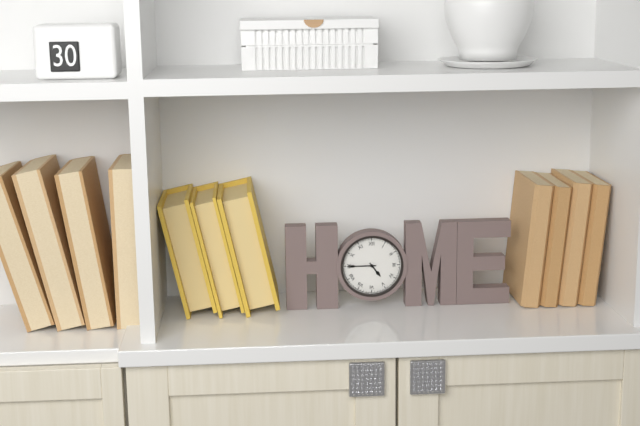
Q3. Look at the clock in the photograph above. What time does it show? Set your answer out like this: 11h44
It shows 4h45
